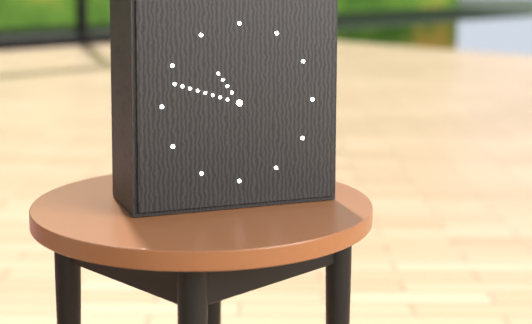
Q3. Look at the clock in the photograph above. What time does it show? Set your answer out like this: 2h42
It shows 10h48
